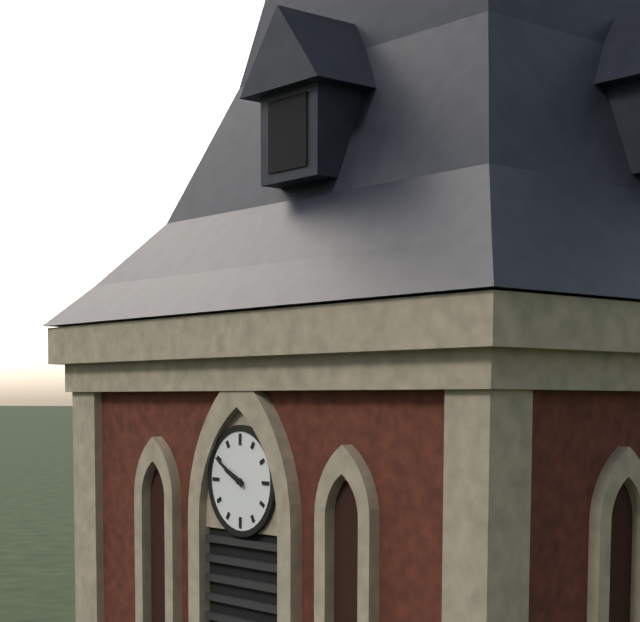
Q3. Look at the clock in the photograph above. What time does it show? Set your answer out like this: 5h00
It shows 9h50
